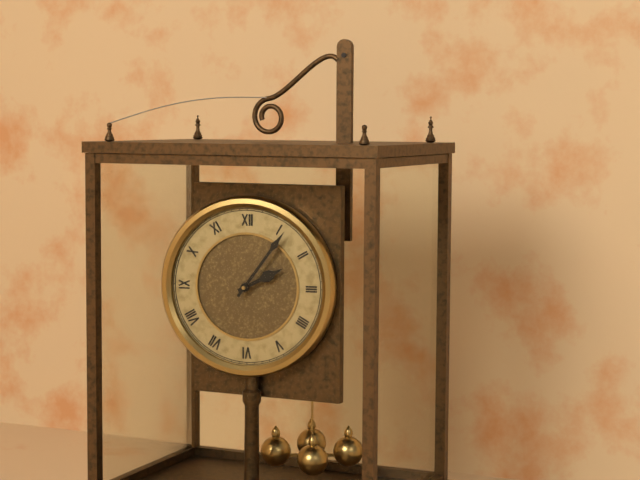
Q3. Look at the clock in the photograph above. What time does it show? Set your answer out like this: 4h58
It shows 2h06
